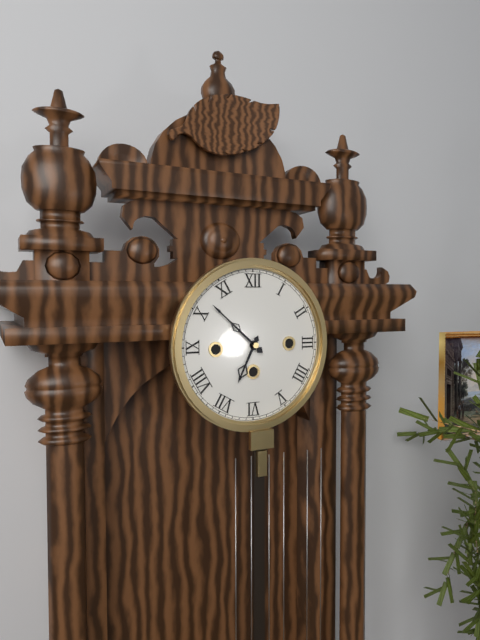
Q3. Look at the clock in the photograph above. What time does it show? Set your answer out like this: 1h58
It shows 6h52
